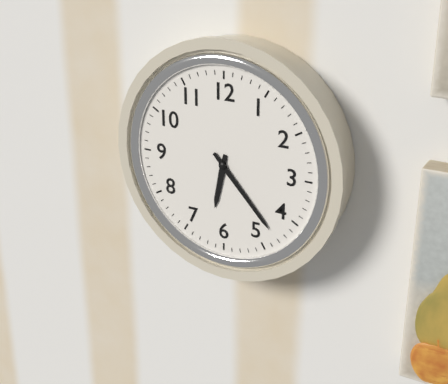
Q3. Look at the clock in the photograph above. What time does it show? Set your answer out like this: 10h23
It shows 6h23
